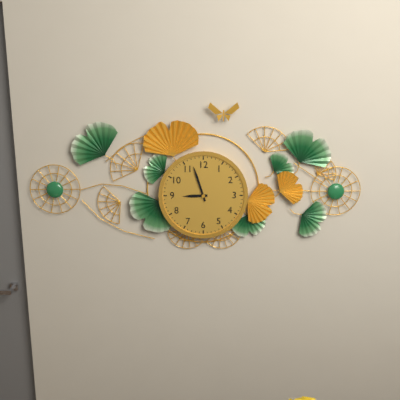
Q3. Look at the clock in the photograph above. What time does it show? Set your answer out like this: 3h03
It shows 8h57
